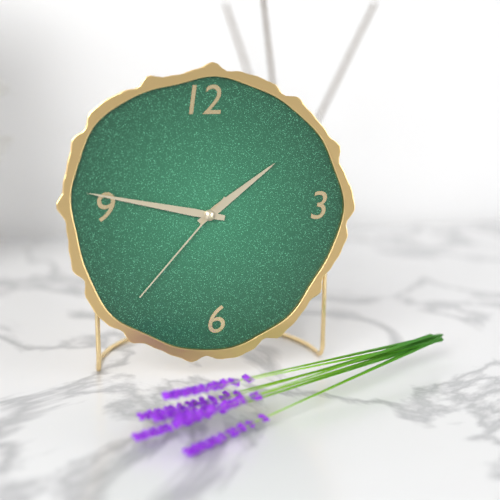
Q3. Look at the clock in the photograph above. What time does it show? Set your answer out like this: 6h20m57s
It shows 1h47m37s
